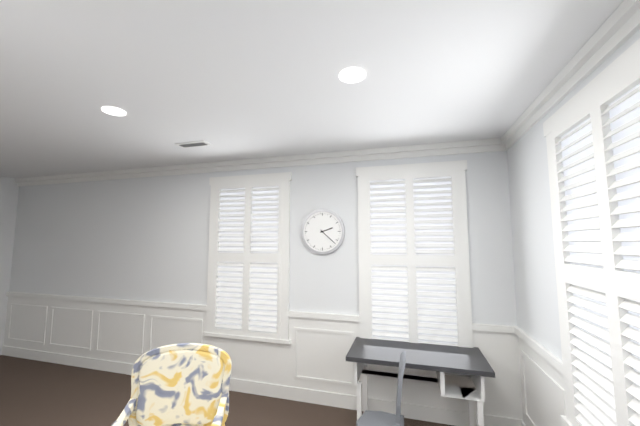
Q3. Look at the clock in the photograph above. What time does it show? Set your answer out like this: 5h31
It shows 2h22
